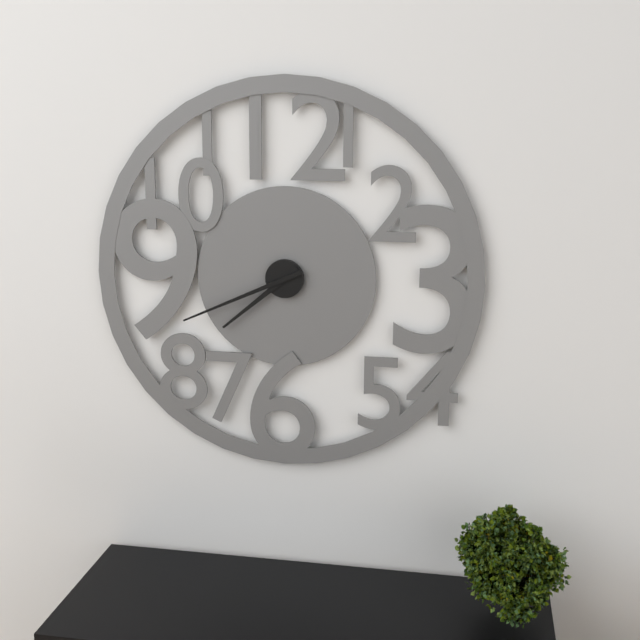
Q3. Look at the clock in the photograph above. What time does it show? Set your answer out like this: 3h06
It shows 7h41
